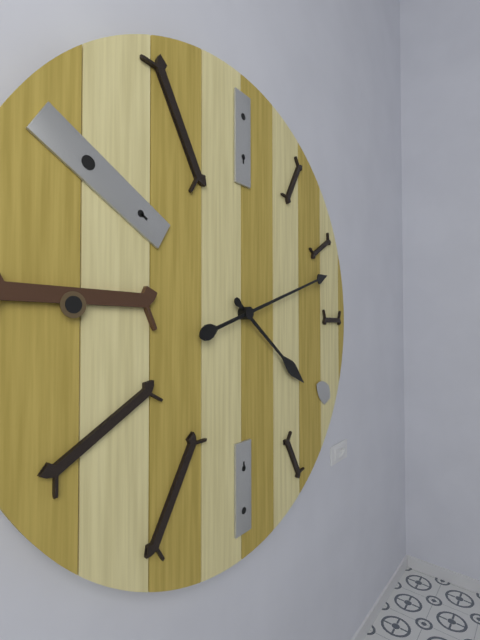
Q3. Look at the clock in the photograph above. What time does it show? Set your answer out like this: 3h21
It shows 4h12
